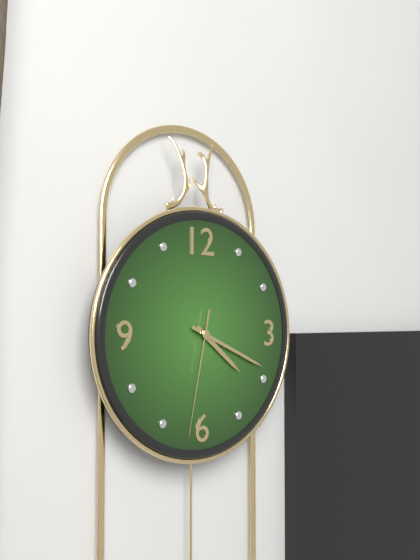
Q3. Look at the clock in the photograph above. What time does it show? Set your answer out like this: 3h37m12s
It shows 4h19m32s
